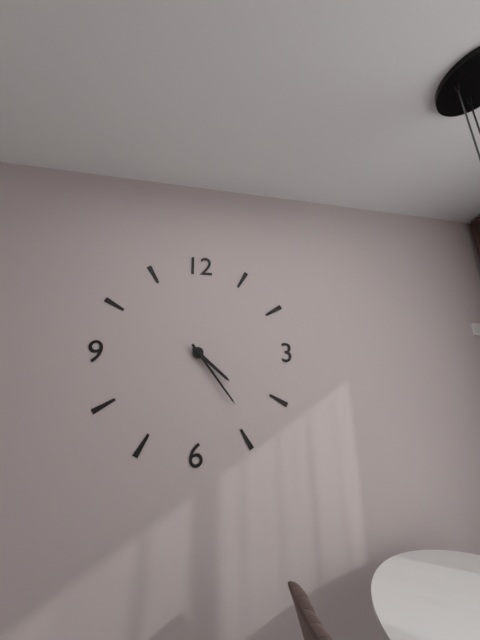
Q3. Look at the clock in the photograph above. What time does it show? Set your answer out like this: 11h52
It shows 4h24
